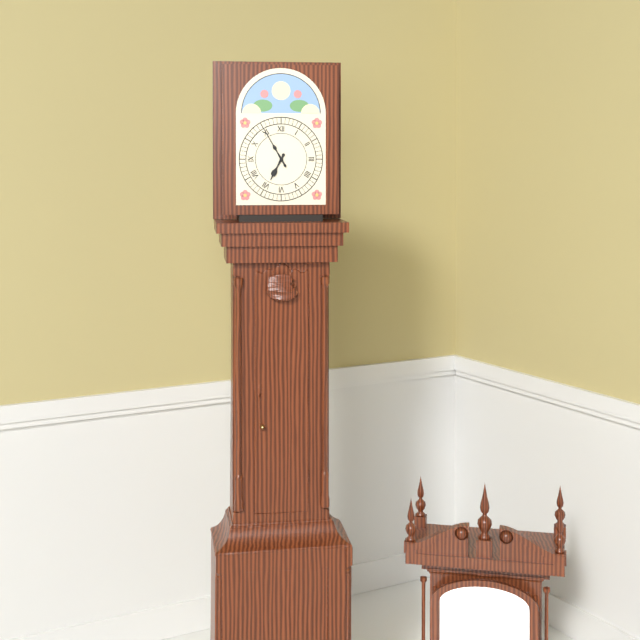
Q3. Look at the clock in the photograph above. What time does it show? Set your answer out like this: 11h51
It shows 6h55
